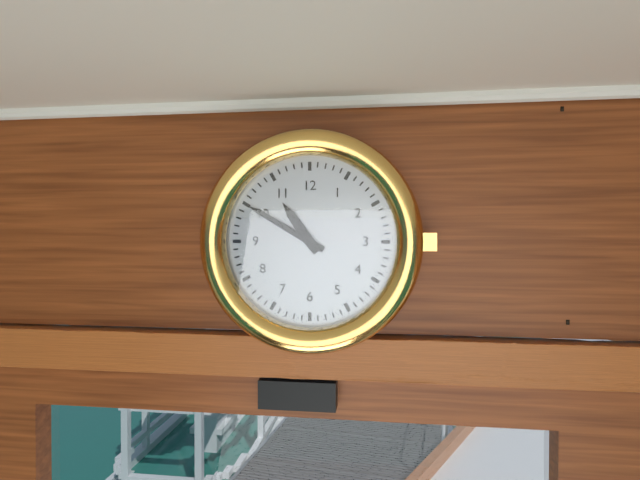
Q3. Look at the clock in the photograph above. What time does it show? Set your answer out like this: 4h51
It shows 10h50
